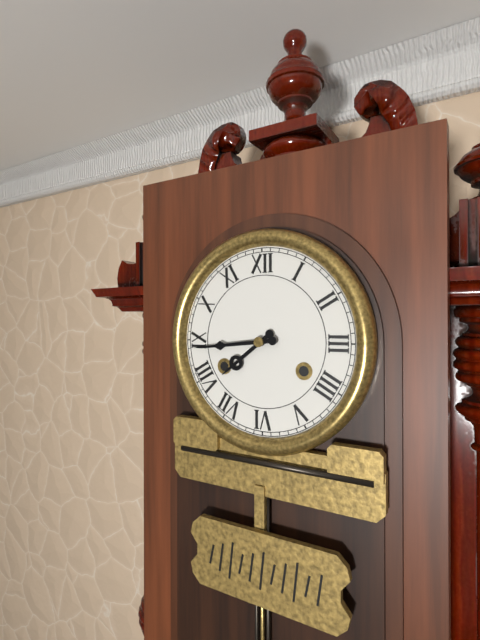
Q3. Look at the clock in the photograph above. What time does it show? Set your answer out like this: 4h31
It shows 7h44
